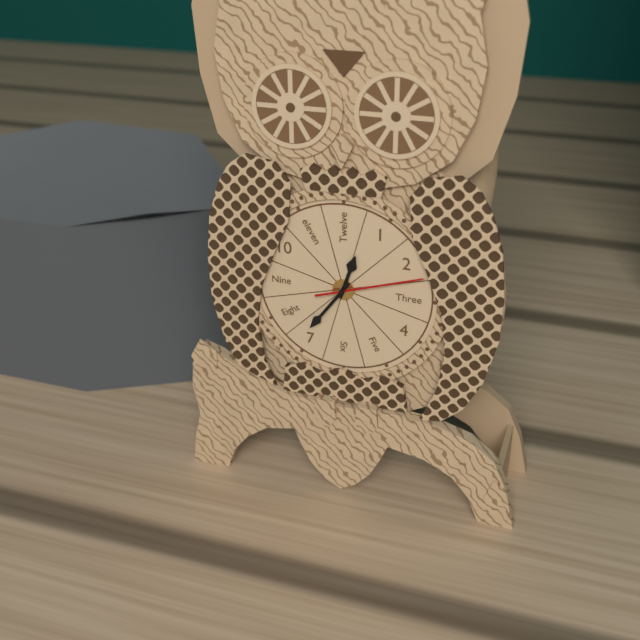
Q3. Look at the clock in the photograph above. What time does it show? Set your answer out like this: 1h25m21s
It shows 12h36m12s
